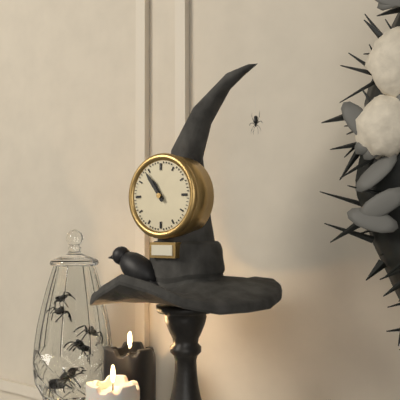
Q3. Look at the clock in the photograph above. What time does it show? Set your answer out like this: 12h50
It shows 10h54
